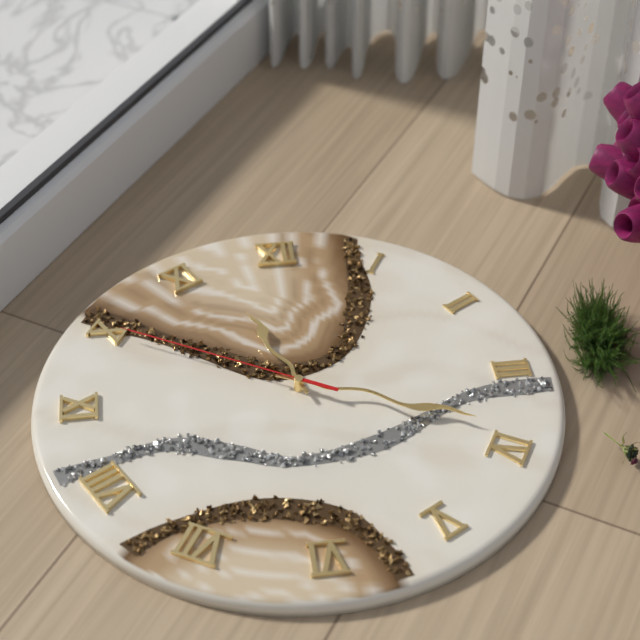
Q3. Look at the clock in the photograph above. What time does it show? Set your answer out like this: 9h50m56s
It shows 11h19m50s
